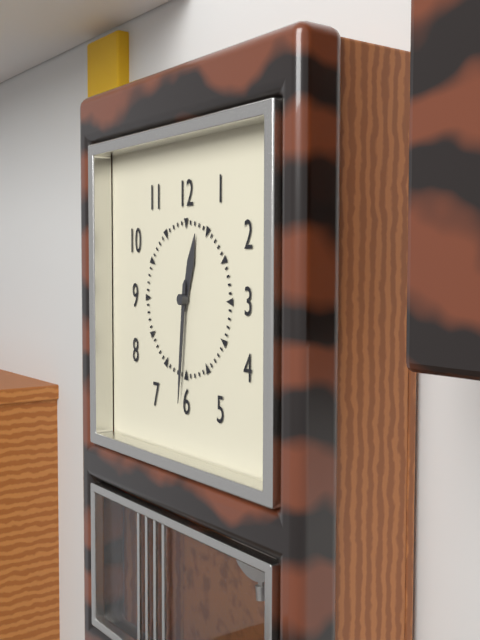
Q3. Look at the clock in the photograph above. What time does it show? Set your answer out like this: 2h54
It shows 12h31
